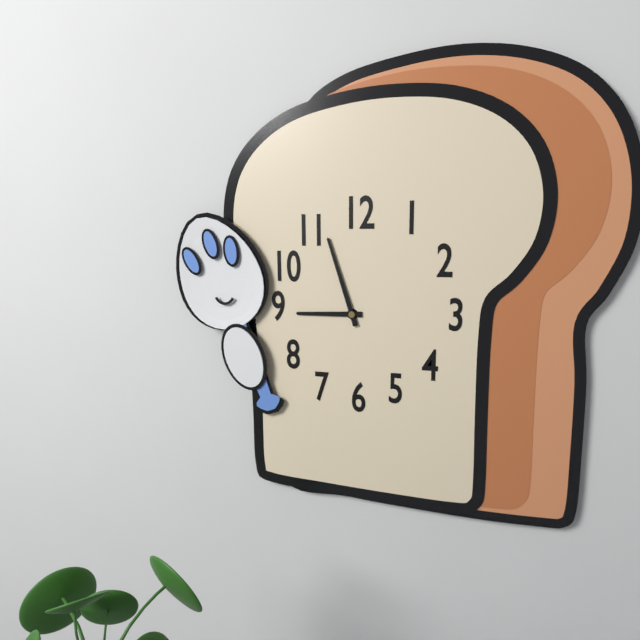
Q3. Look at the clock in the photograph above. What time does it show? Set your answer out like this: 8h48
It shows 8h57
